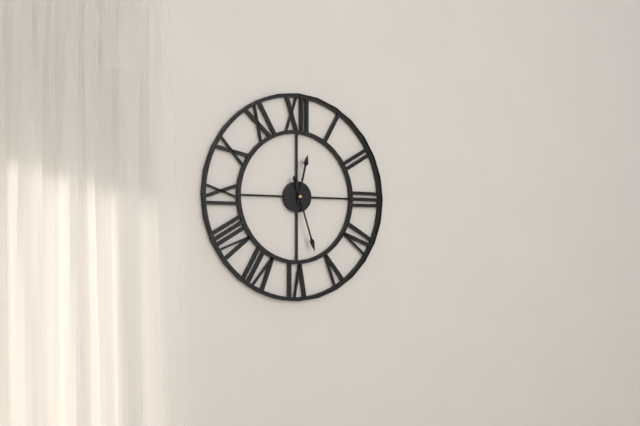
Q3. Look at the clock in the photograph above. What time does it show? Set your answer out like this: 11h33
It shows 12h27
